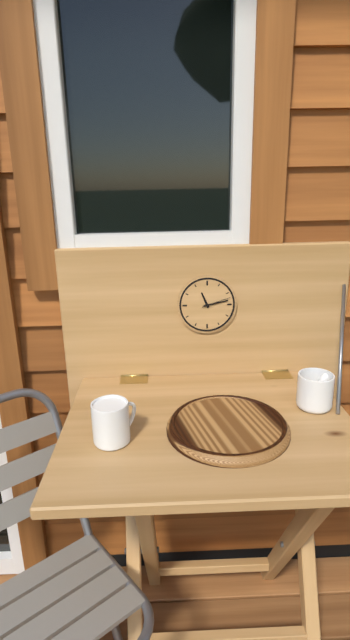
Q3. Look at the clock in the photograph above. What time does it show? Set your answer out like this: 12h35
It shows 11h13
